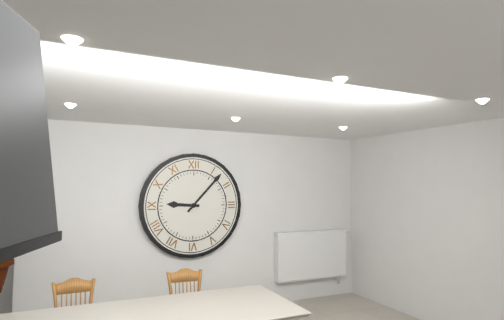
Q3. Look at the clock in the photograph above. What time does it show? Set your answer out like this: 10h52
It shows 9h07
